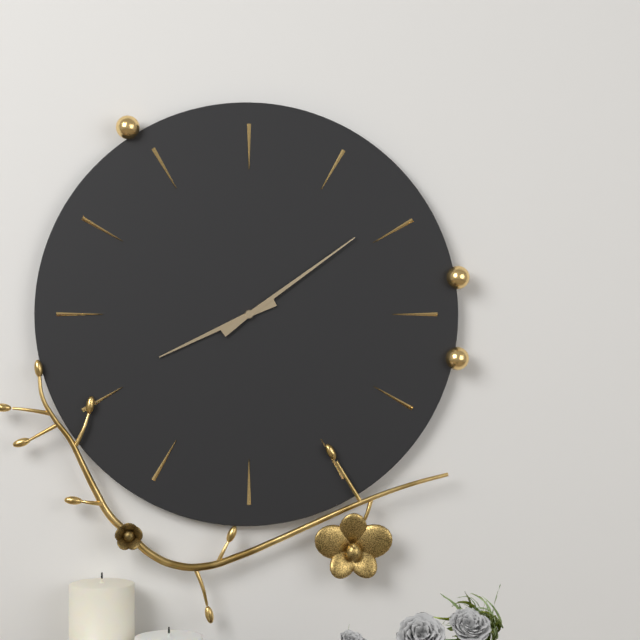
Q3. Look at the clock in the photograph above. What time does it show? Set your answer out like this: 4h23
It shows 8h09
